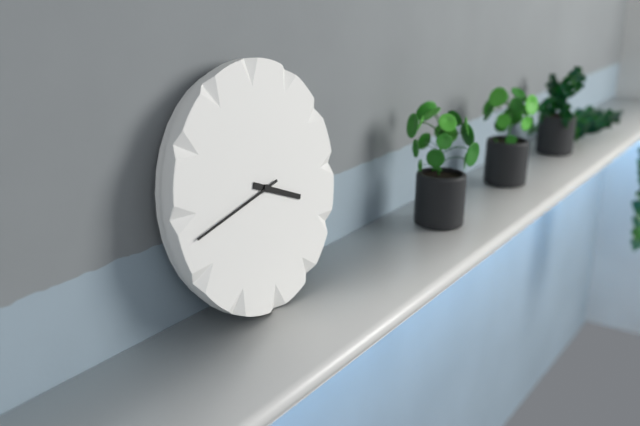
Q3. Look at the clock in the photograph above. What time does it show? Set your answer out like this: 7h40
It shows 3h43
